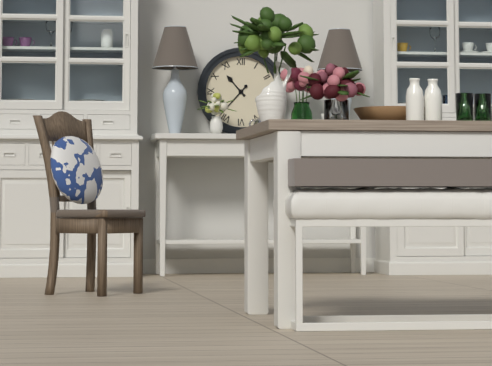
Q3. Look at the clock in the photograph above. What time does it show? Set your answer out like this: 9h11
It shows 10h37
